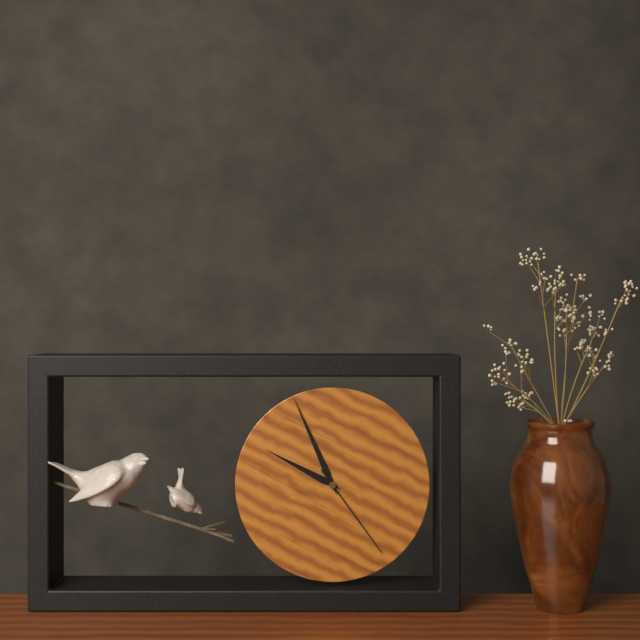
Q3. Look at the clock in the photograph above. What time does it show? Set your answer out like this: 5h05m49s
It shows 9h56m24s
